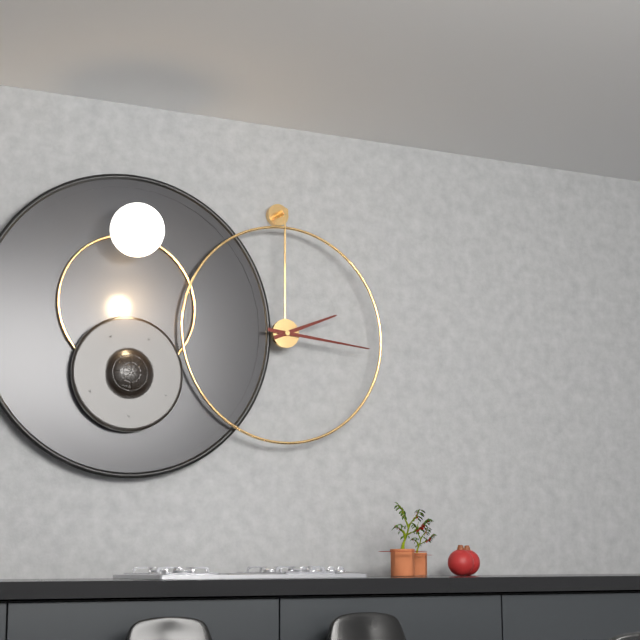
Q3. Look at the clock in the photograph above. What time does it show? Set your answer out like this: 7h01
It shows 2h16
